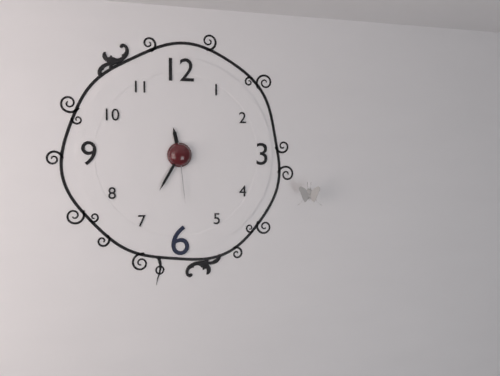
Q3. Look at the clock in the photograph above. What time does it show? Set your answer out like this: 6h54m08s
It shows 11h35m29s
